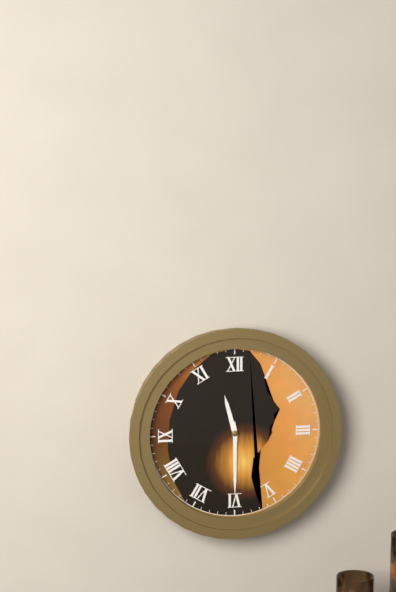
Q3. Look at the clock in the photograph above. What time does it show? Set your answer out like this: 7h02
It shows 11h30
